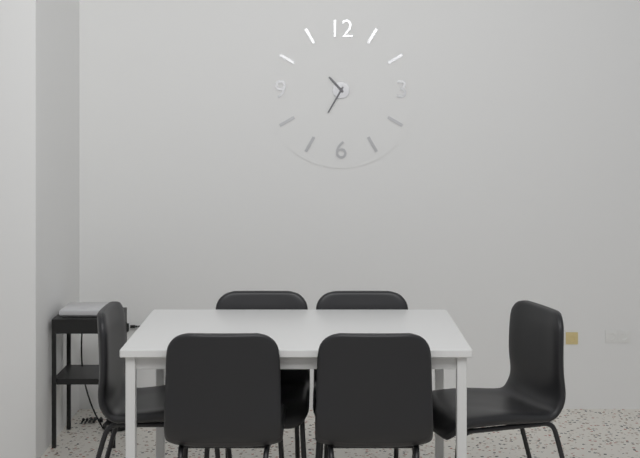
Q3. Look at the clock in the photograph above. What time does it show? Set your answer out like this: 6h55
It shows 10h35
